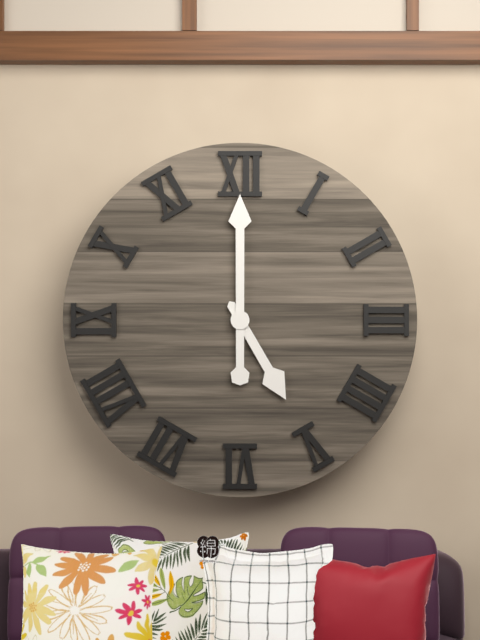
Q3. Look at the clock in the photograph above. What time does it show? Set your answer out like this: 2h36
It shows 5h00
